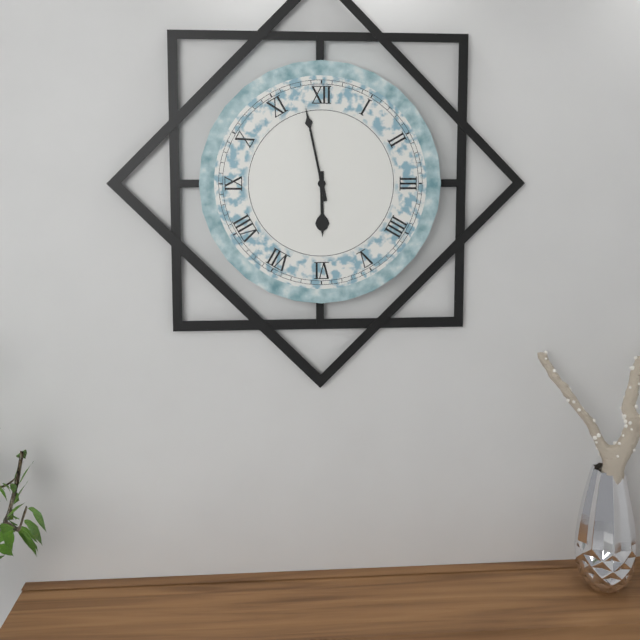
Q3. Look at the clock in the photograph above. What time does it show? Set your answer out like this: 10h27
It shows 5h58
